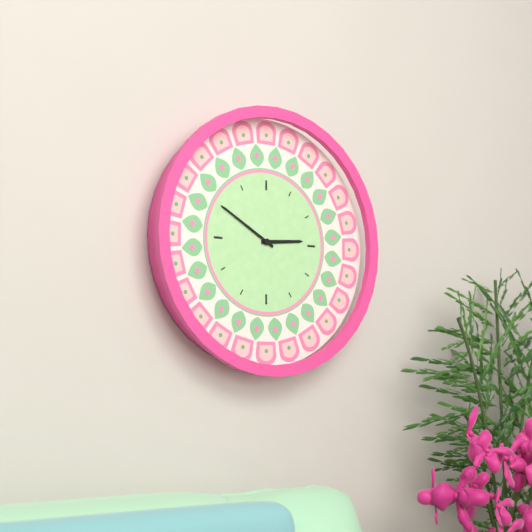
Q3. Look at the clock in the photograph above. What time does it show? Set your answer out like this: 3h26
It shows 2h50
